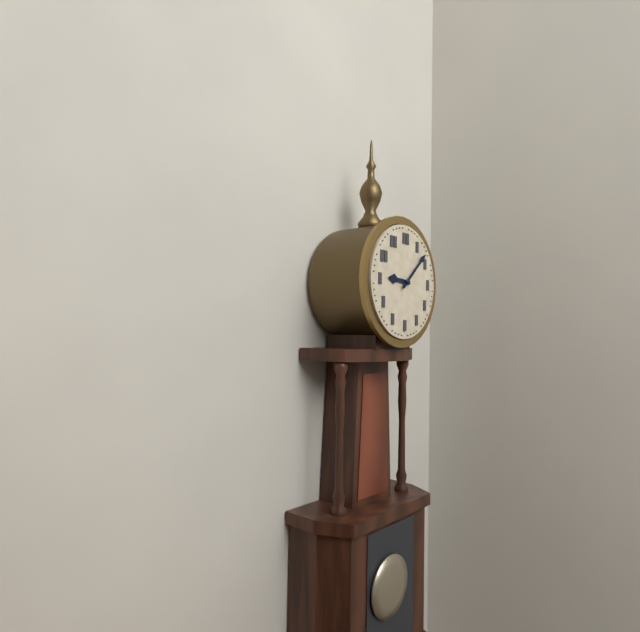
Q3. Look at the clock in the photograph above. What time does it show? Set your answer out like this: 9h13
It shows 9h08
